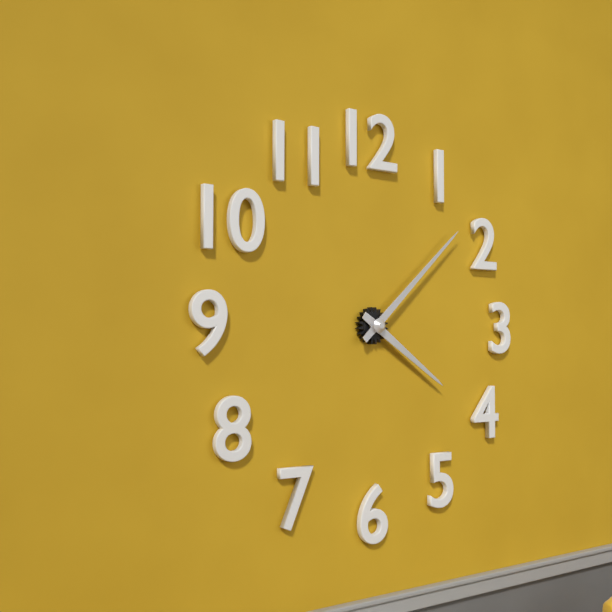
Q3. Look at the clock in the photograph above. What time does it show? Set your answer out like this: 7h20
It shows 4h08
